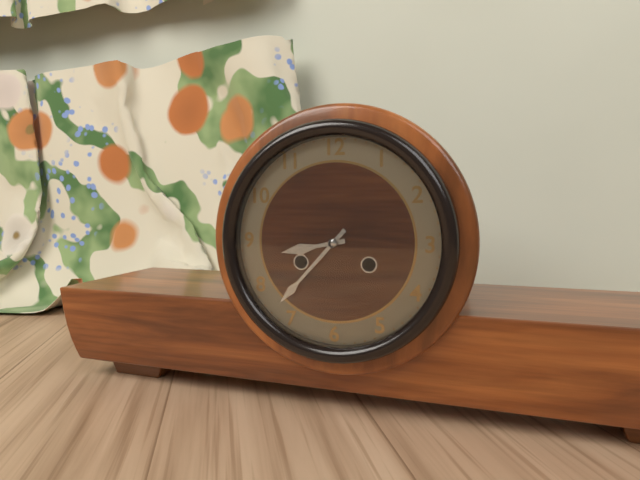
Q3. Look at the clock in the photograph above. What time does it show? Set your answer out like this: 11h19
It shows 8h37
